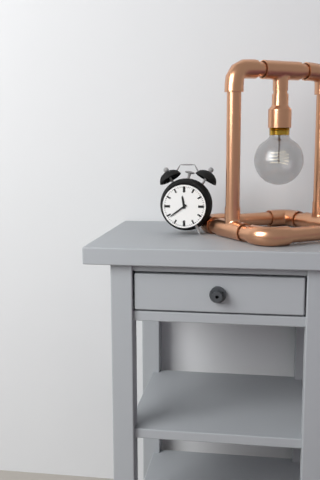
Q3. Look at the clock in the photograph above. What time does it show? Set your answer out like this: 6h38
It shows 11h39
